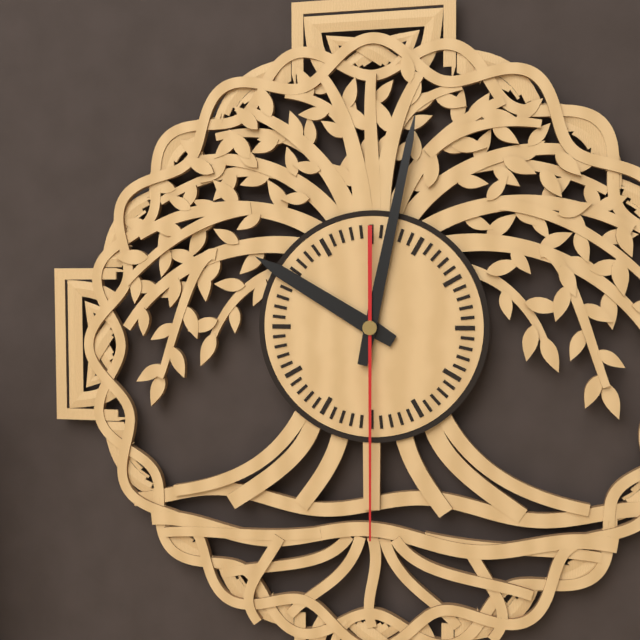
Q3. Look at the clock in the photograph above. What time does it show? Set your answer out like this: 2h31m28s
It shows 10h02m30s
